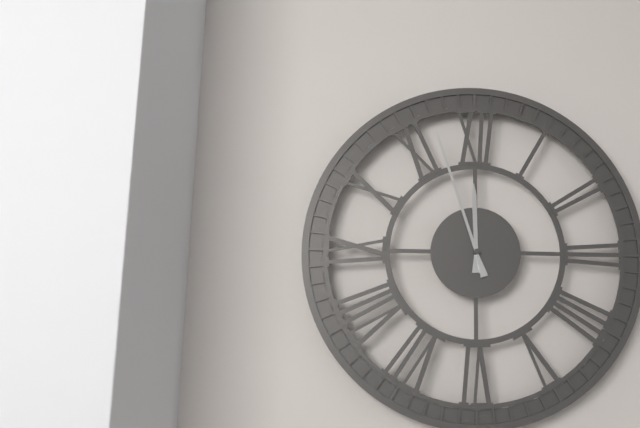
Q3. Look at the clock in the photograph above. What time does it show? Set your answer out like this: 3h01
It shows 11h57
